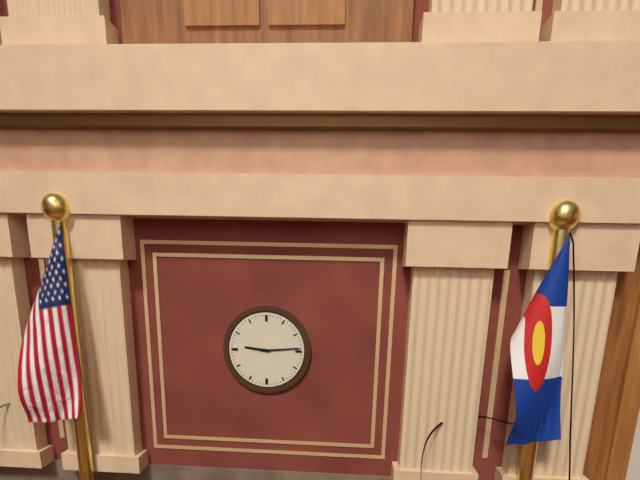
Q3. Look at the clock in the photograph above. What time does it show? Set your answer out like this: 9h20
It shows 9h14
